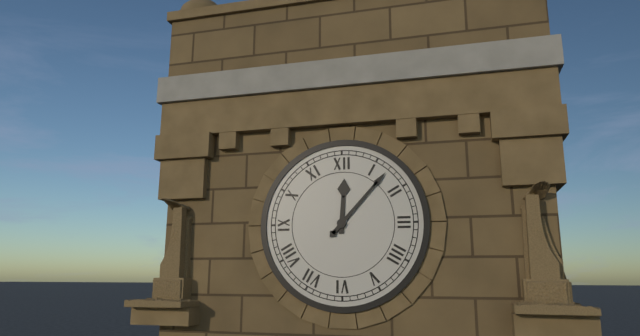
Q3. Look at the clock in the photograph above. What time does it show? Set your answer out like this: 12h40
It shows 12h07
